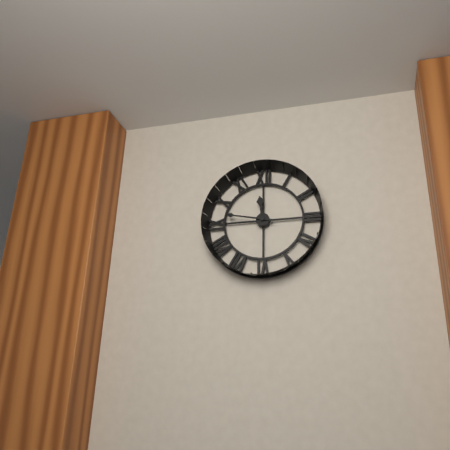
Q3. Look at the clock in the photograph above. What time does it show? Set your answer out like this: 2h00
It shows 11h47
